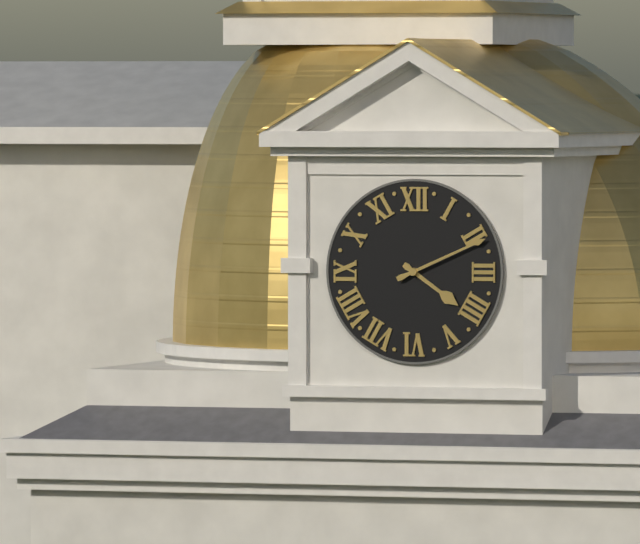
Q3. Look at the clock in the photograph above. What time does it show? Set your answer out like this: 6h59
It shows 4h11
